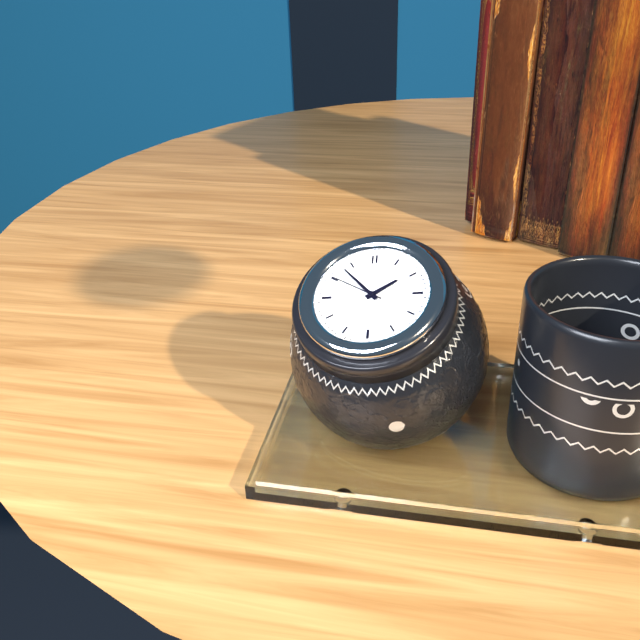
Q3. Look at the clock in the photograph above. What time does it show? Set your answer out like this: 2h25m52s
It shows 1h53m50s
